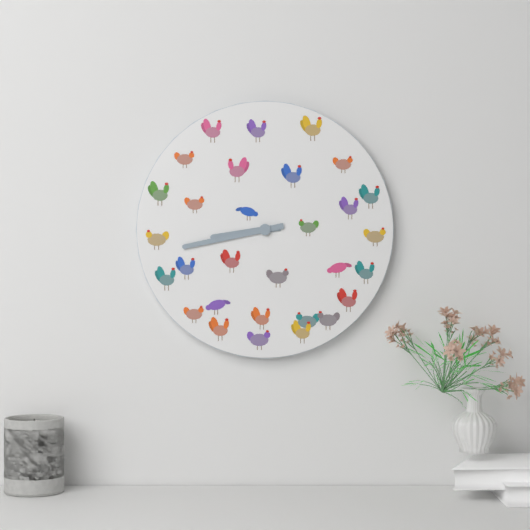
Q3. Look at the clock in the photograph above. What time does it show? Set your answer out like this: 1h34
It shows 8h43
